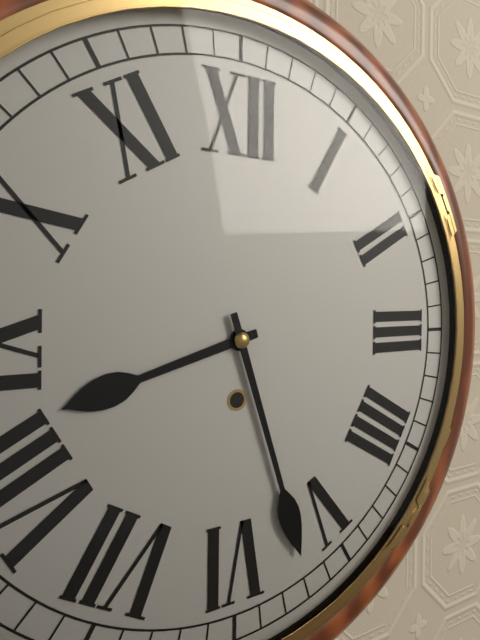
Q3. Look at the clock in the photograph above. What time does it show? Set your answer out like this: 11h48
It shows 8h27
